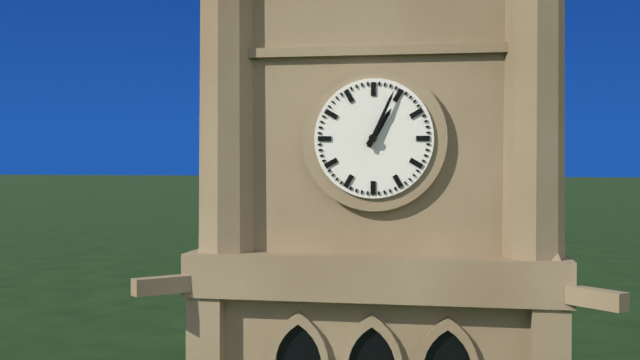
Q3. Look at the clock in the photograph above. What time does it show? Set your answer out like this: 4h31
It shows 1h04
